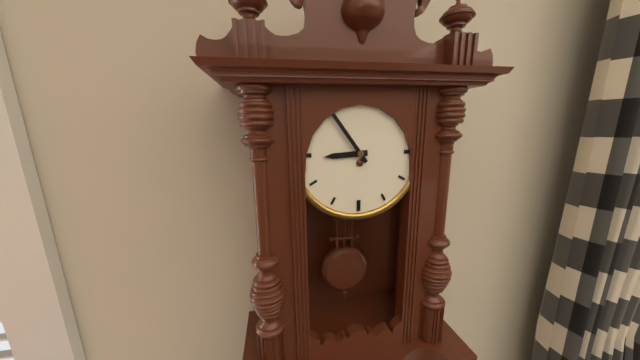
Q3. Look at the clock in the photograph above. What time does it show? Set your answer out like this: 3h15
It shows 8h54
